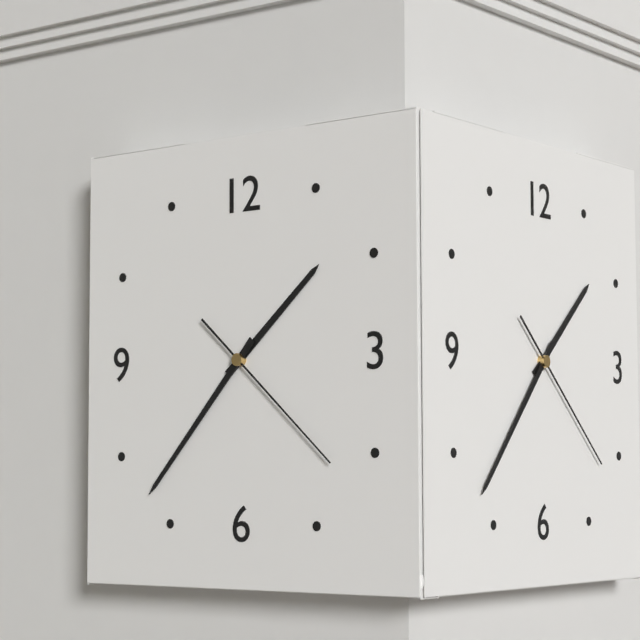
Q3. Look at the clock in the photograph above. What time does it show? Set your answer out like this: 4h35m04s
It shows 1h37m22s
